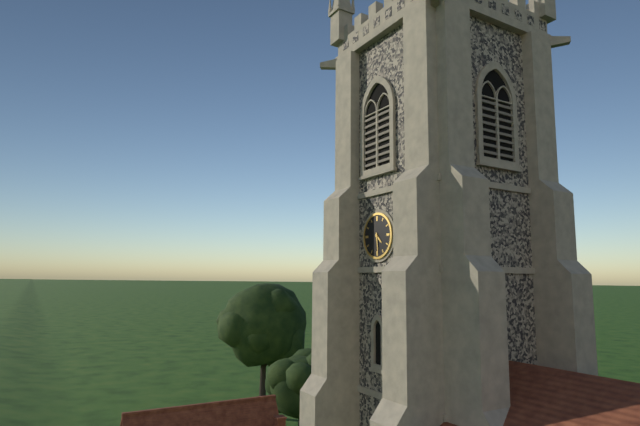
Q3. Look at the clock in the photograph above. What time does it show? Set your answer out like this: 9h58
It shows 4h29
